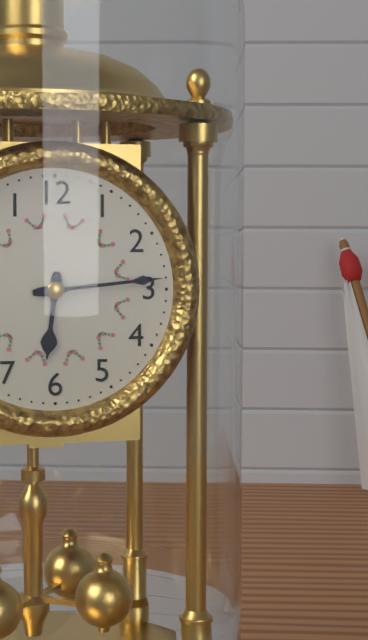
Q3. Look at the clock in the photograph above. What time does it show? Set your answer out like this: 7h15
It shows 6h14
